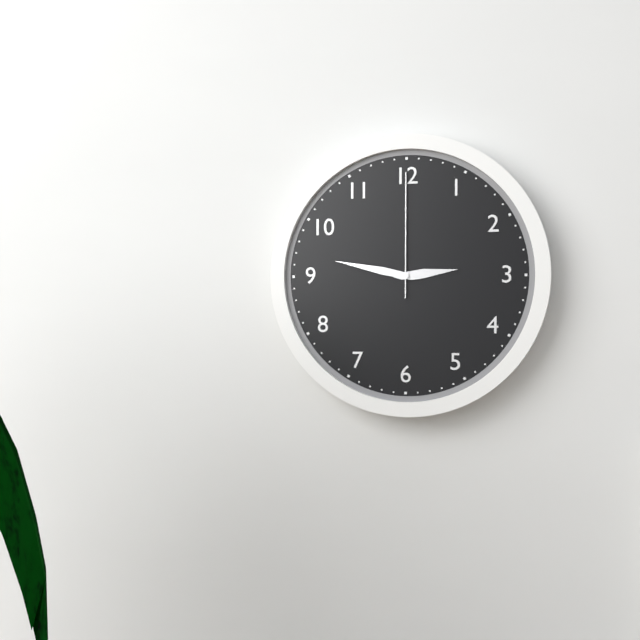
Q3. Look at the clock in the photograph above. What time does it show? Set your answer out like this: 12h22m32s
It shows 2h47m00s
